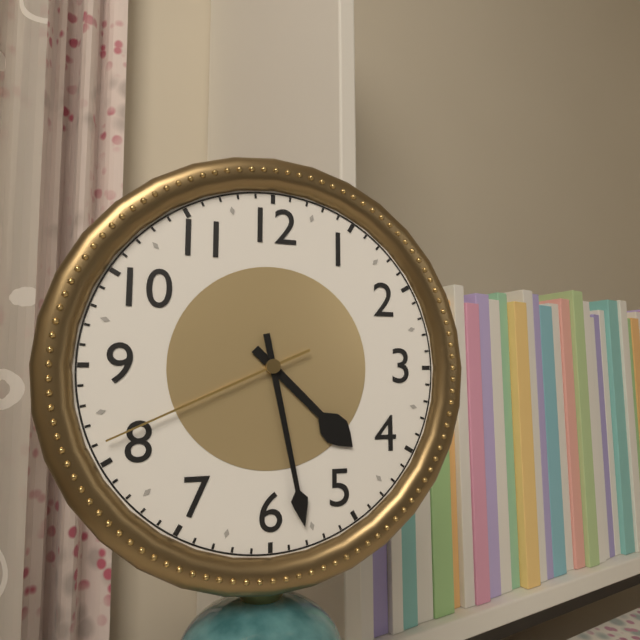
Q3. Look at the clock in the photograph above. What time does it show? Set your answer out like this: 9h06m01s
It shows 4h28m41s
